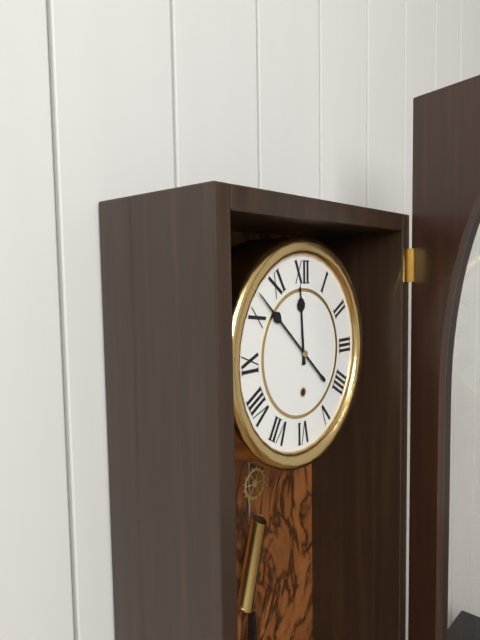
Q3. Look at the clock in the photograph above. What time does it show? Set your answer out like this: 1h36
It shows 11h52
